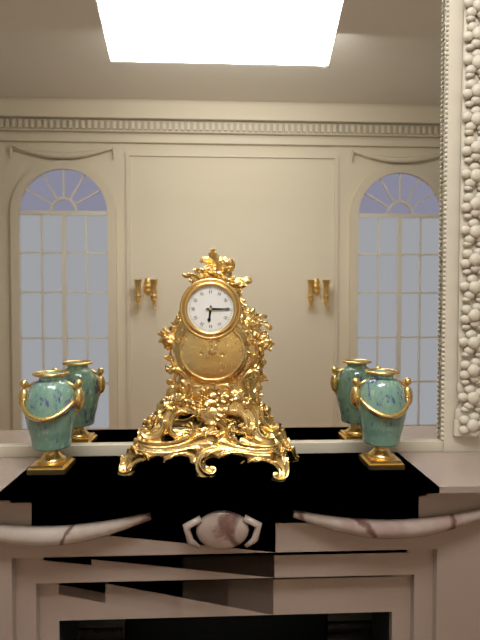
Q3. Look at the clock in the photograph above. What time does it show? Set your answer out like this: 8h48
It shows 6h15
